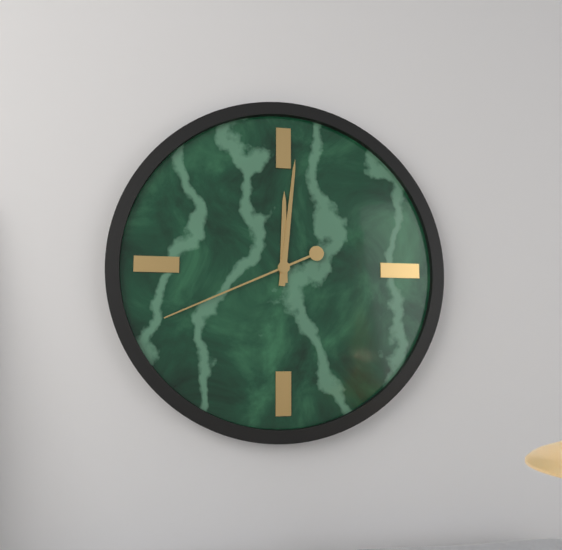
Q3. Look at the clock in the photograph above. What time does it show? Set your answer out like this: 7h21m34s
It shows 12h01m41s
